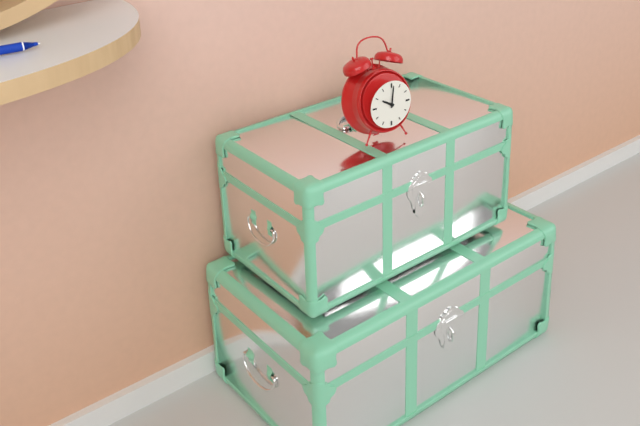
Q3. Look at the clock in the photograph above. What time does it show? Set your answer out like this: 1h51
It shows 10h01
